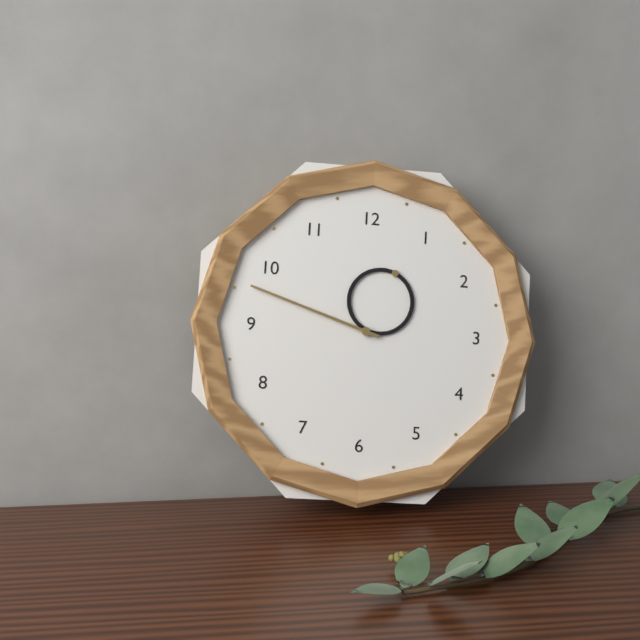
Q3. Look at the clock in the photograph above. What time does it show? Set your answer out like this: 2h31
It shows 12h48
